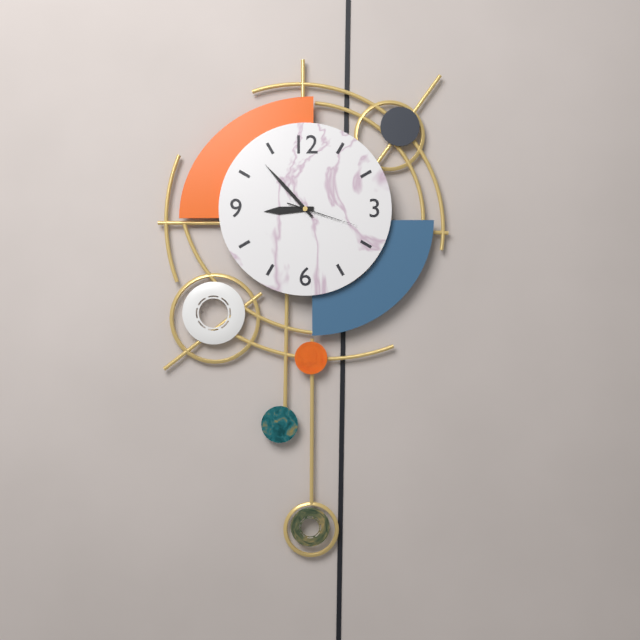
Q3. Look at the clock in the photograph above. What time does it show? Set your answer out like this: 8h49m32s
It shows 8h53m18s
